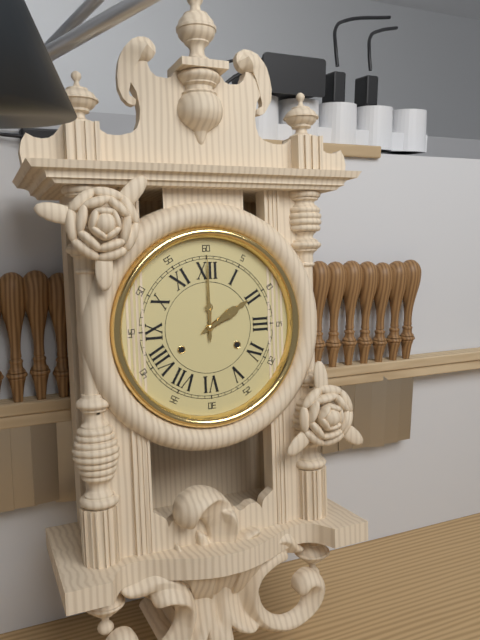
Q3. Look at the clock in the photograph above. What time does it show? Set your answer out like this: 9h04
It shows 2h00
